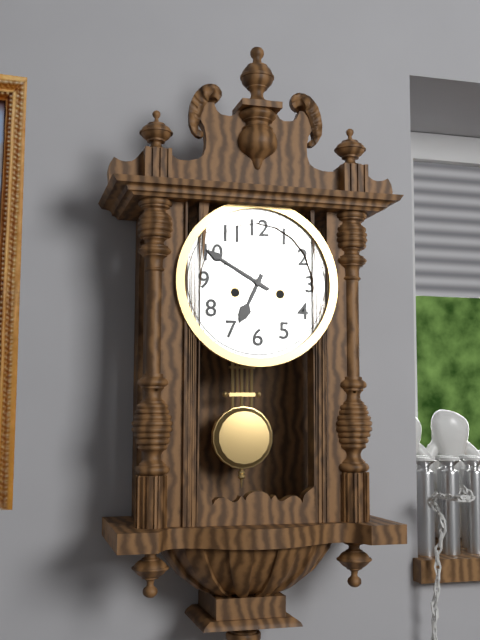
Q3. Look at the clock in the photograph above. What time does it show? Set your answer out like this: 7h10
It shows 6h50
